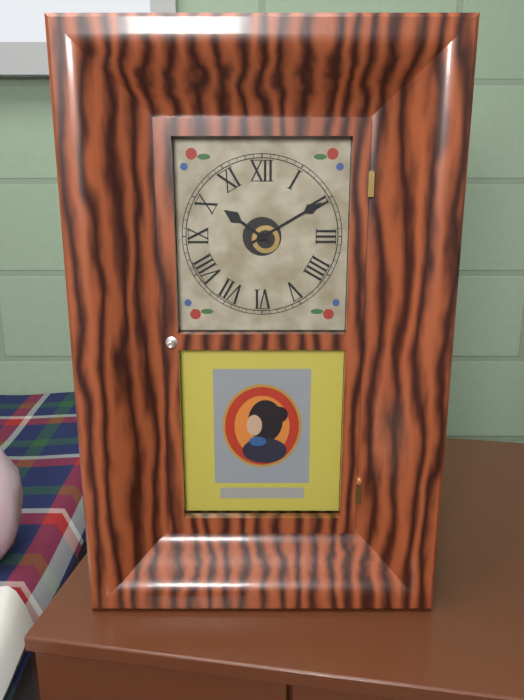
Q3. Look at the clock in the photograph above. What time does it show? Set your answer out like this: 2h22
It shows 10h10
